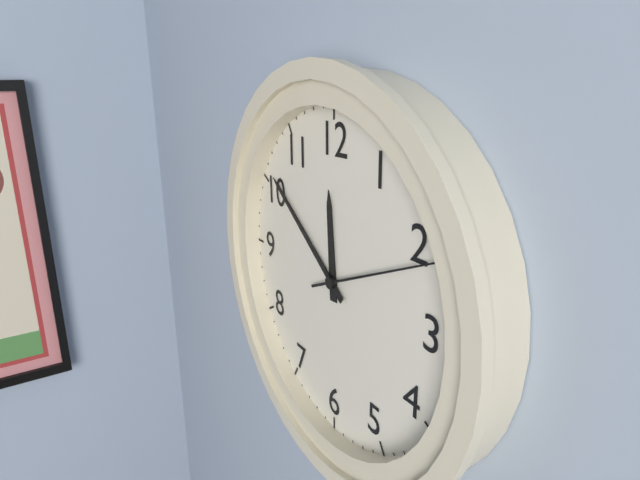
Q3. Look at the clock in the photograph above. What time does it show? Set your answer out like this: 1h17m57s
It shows 11h51m11s
